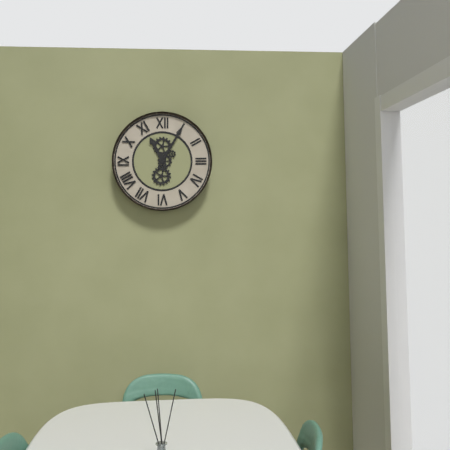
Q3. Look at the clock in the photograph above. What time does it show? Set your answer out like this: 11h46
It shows 11h05
